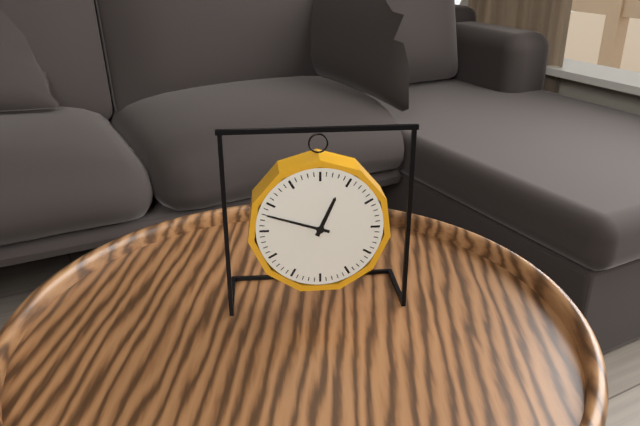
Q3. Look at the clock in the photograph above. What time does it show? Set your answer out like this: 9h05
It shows 12h48
